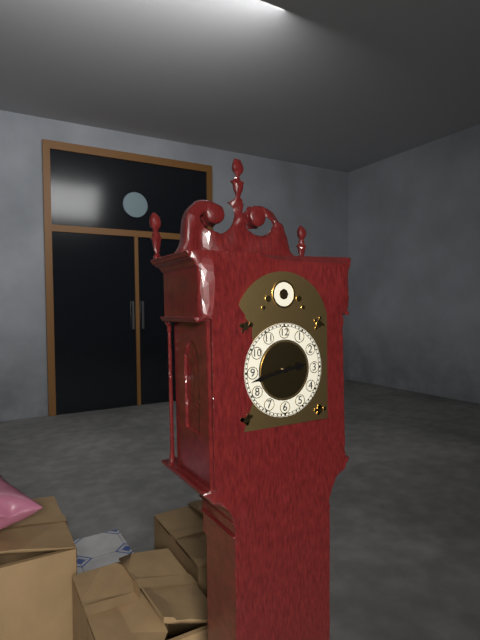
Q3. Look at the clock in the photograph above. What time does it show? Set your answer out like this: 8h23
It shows 2h43
